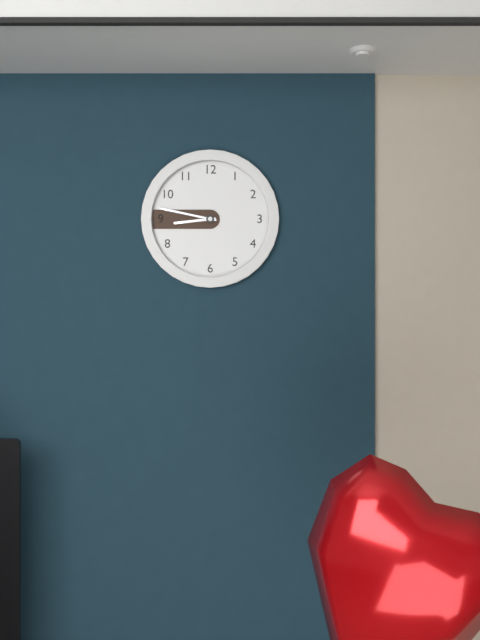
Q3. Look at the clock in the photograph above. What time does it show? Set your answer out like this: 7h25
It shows 8h47
